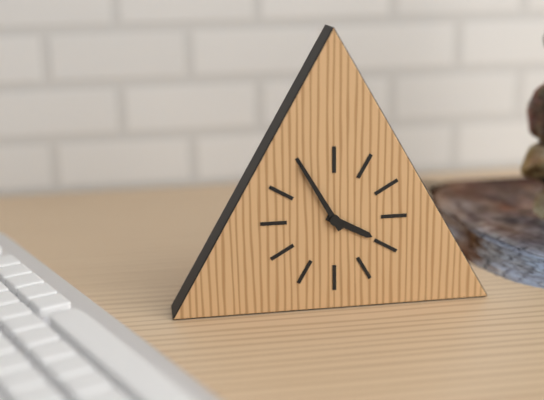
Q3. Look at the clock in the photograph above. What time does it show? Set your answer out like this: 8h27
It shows 3h55
